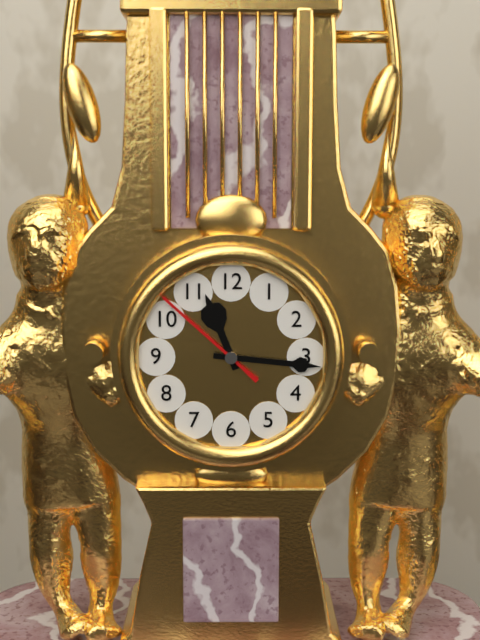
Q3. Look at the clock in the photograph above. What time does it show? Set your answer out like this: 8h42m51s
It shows 11h16m52s
